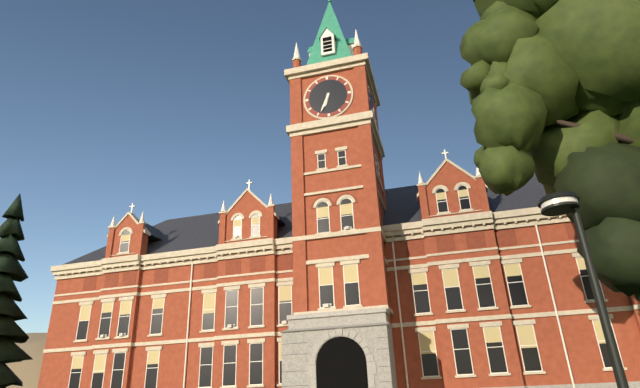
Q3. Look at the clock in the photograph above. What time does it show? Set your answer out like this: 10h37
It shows 6h34
